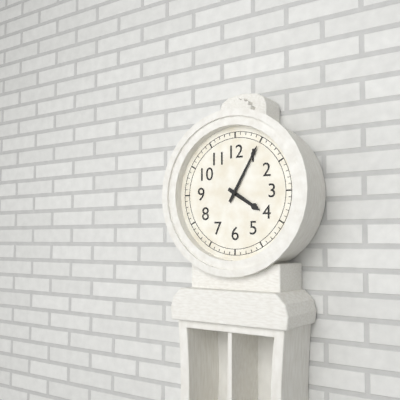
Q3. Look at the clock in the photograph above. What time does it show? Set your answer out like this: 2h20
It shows 4h05
